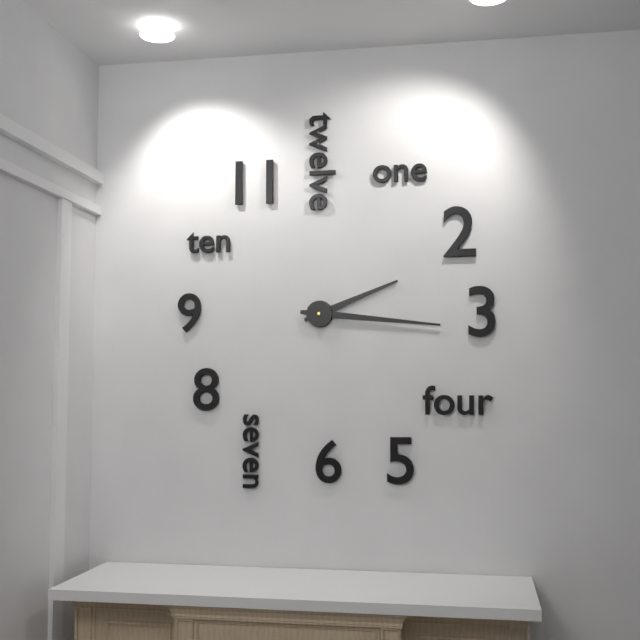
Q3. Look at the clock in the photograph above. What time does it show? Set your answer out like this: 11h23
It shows 2h16
